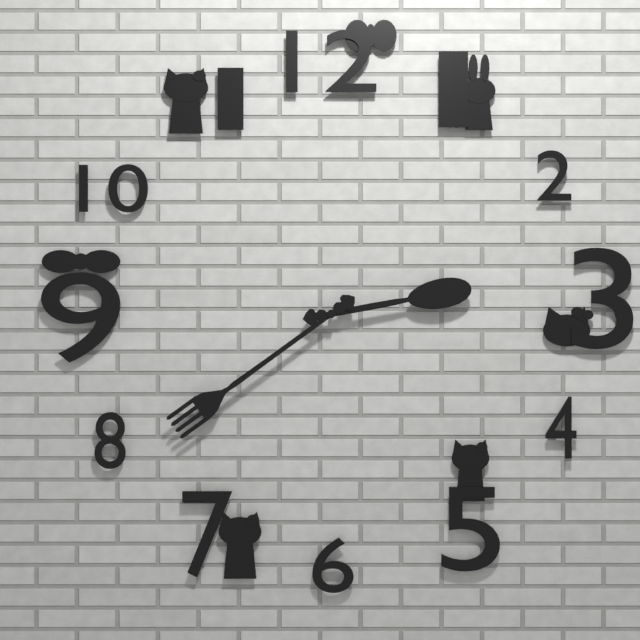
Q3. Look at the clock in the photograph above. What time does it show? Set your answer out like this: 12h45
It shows 2h39
